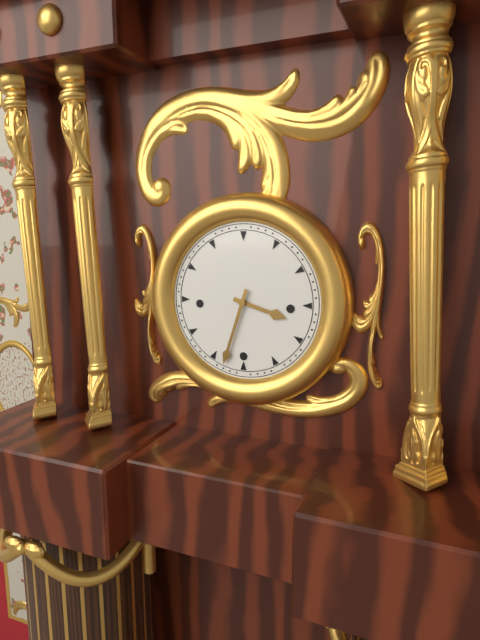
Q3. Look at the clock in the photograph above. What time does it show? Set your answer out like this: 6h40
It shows 3h33
